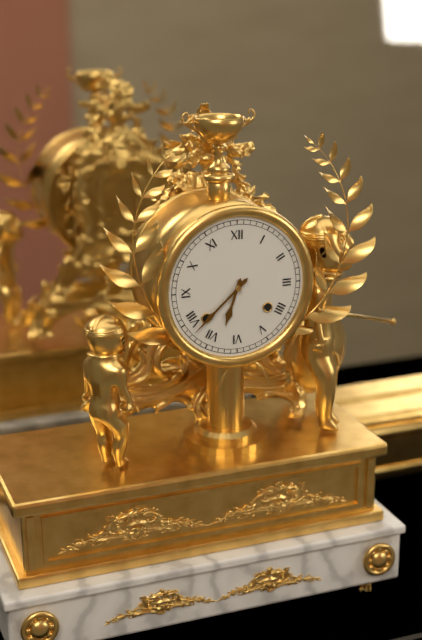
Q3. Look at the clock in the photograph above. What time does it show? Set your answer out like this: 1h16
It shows 6h38
